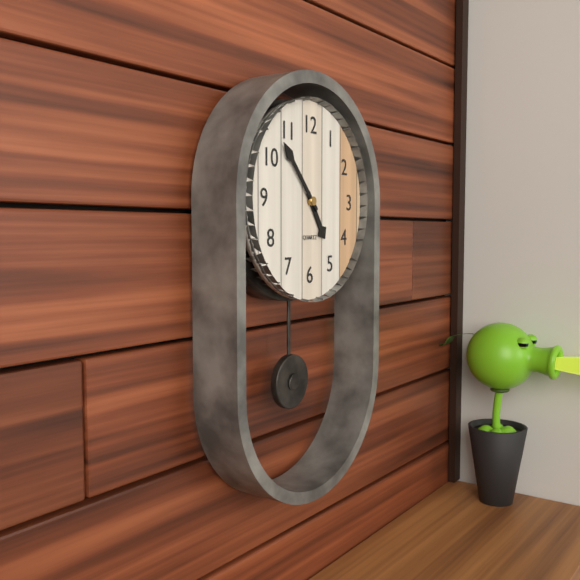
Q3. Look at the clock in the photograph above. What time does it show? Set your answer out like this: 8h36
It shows 4h53
